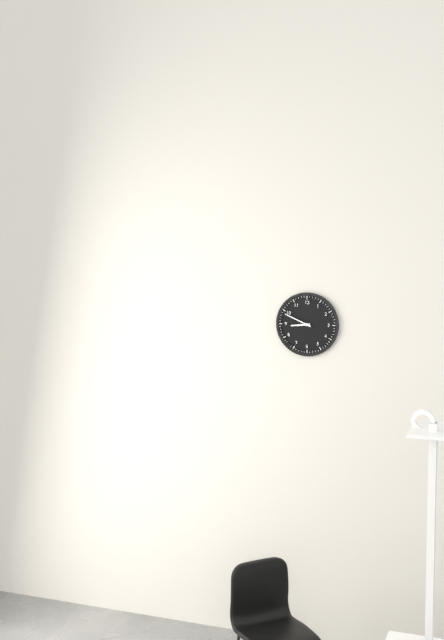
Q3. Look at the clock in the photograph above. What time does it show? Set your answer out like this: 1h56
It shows 8h49
